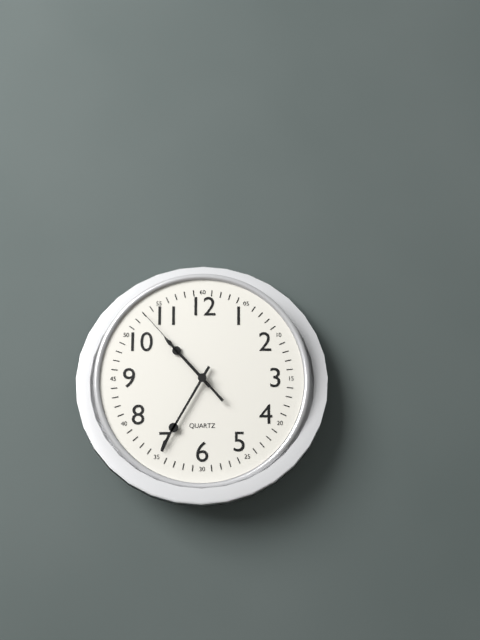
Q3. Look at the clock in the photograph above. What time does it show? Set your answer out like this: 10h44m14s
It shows 10h35m53s
